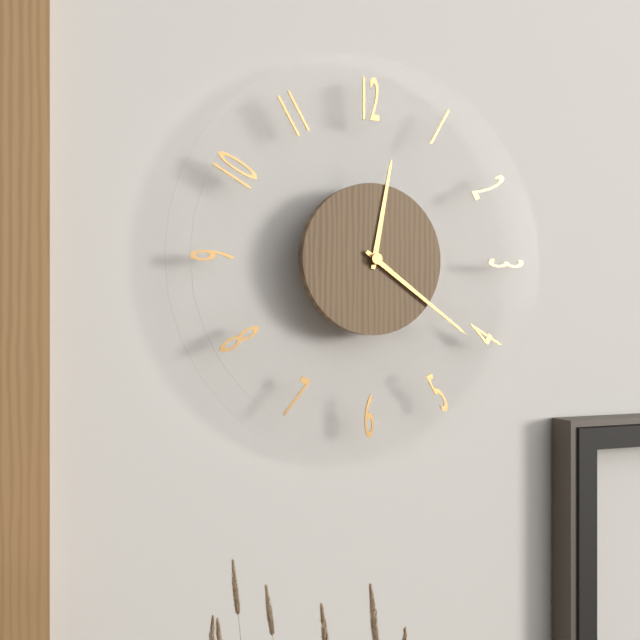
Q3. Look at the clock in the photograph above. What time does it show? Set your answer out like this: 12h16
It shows 12h21
